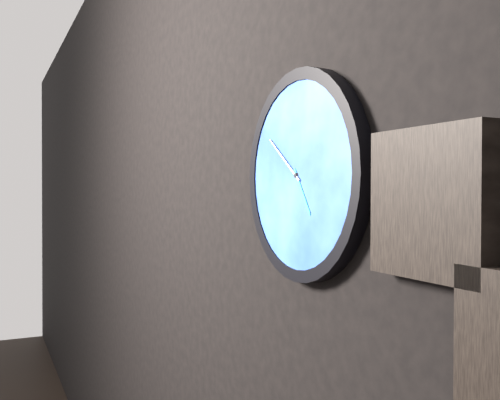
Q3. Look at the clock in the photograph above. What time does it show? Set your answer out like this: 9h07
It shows 4h51
